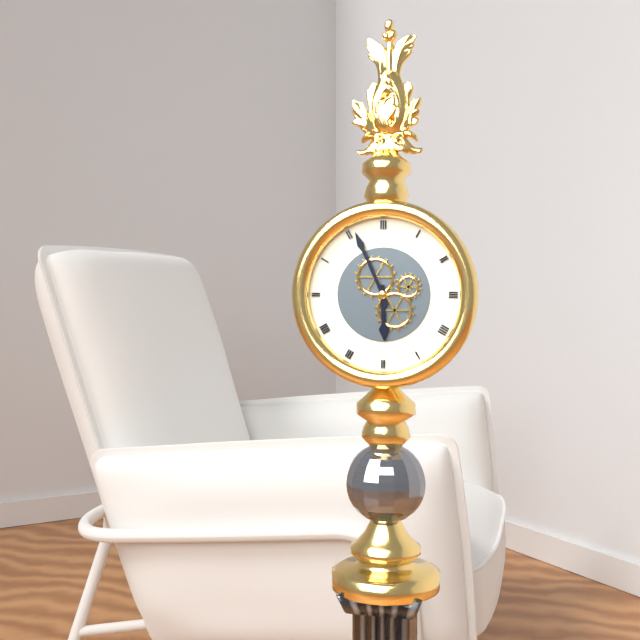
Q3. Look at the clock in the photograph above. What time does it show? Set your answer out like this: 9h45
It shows 5h56
